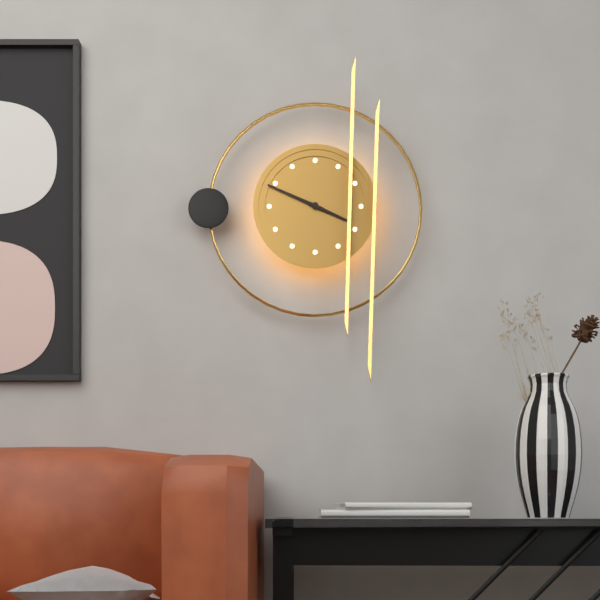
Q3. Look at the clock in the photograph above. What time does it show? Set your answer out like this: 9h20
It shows 3h49
